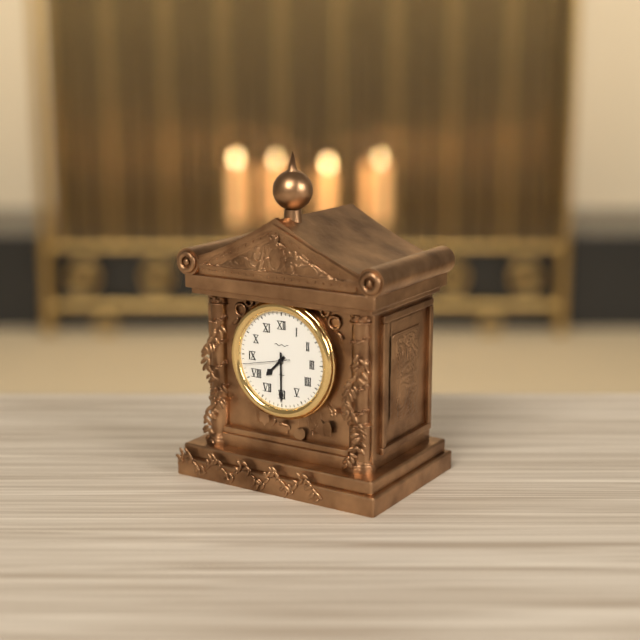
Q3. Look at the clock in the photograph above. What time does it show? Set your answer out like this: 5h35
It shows 7h30
